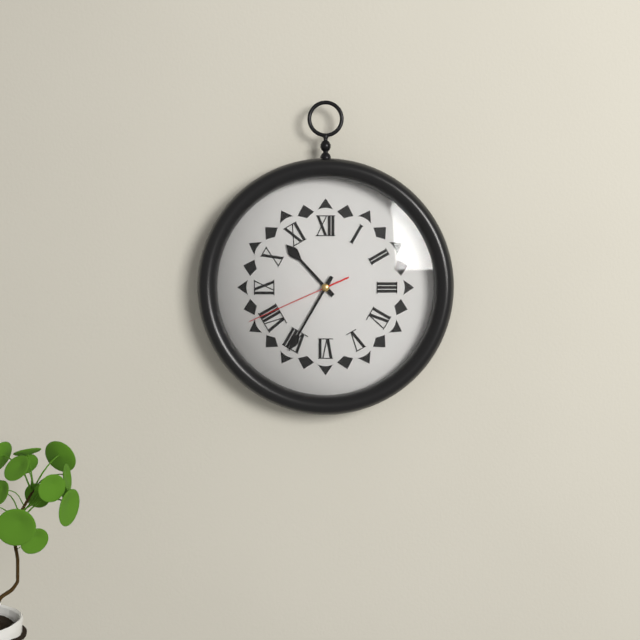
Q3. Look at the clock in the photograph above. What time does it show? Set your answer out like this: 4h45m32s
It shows 10h35m41s
